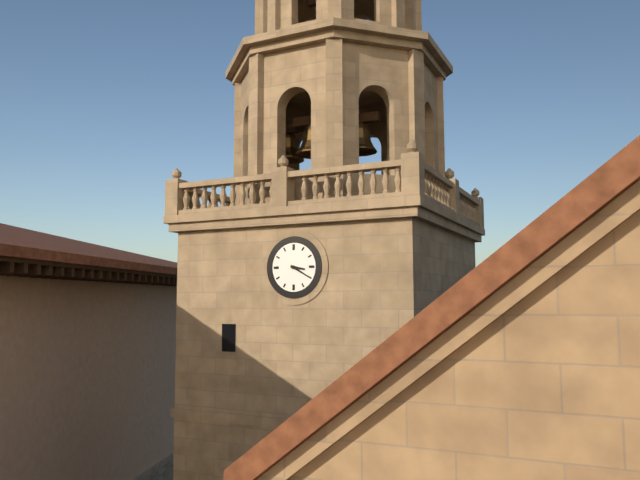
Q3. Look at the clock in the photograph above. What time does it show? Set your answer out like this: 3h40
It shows 3h20
